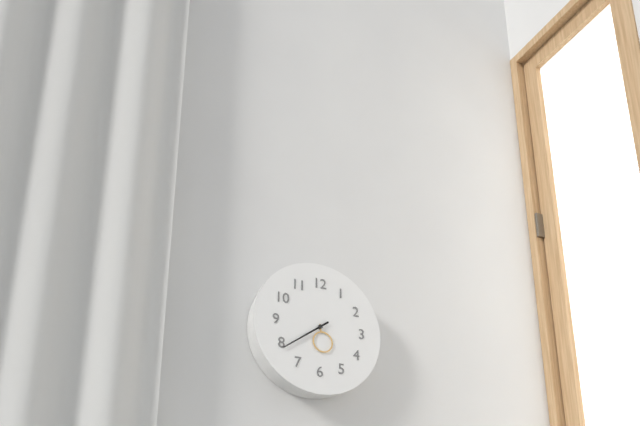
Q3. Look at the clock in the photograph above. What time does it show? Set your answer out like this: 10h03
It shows 5h39
